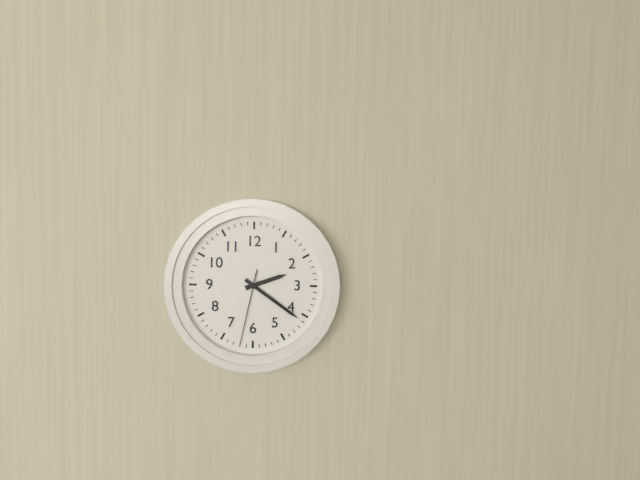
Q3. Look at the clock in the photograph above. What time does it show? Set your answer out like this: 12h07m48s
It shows 2h21m32s
